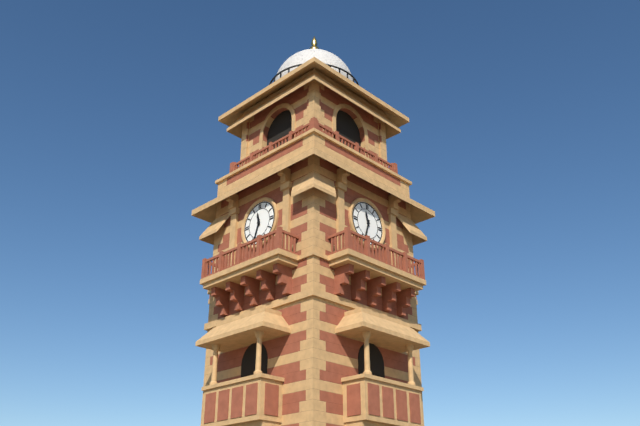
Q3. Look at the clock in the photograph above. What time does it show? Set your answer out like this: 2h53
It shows 11h33
